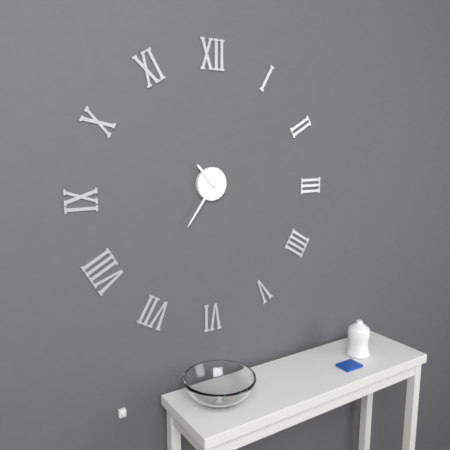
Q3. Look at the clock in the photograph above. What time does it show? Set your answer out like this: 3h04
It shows 10h36
